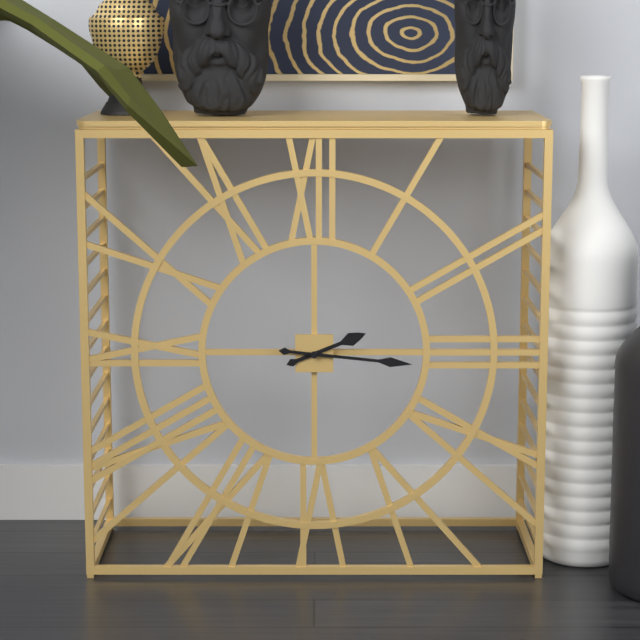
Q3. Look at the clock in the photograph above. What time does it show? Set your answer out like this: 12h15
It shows 2h16
